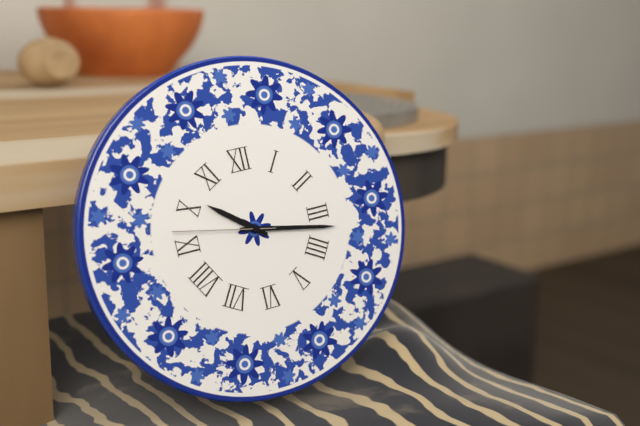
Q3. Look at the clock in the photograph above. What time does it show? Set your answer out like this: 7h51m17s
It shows 10h17m47s
